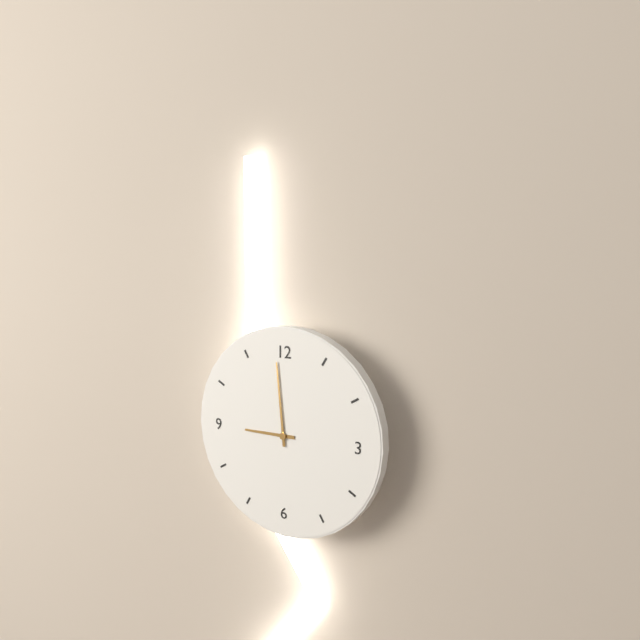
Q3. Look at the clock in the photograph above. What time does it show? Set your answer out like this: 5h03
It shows 8h59
